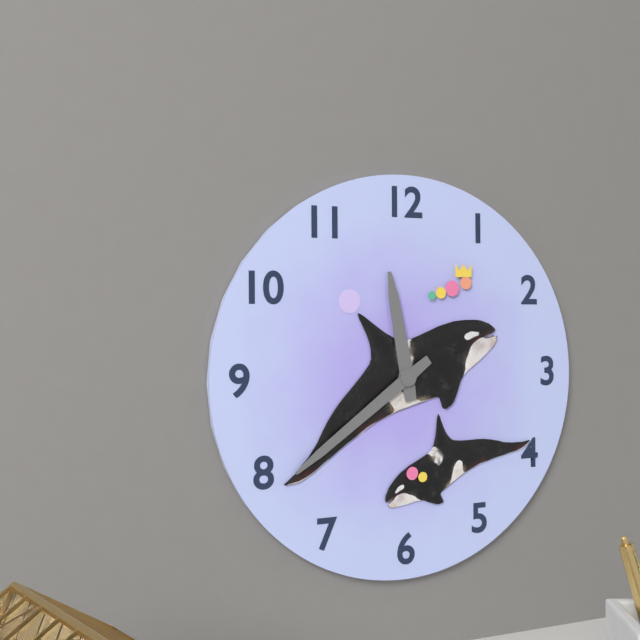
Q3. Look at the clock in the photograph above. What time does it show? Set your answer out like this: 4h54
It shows 11h39
